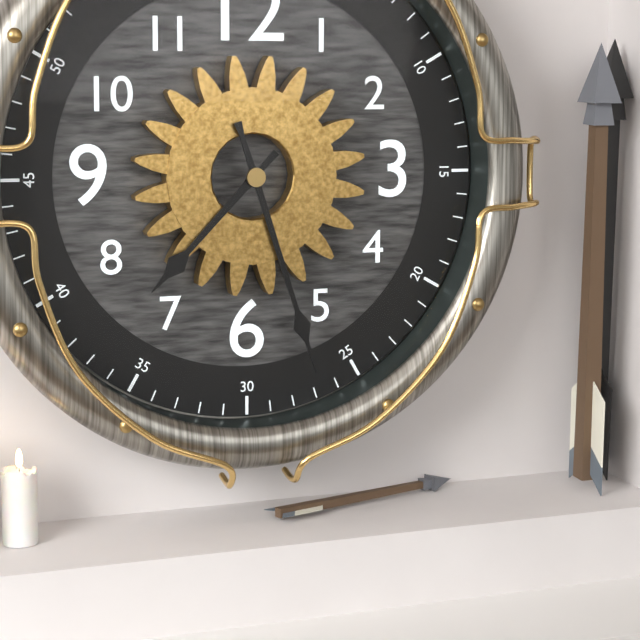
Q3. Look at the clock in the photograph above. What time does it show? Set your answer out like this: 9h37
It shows 7h27
